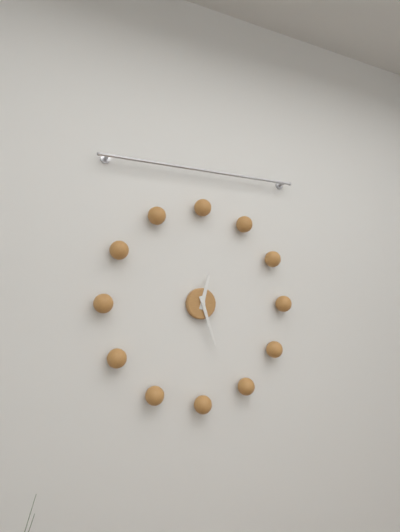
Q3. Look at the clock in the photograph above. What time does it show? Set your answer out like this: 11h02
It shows 12h27
